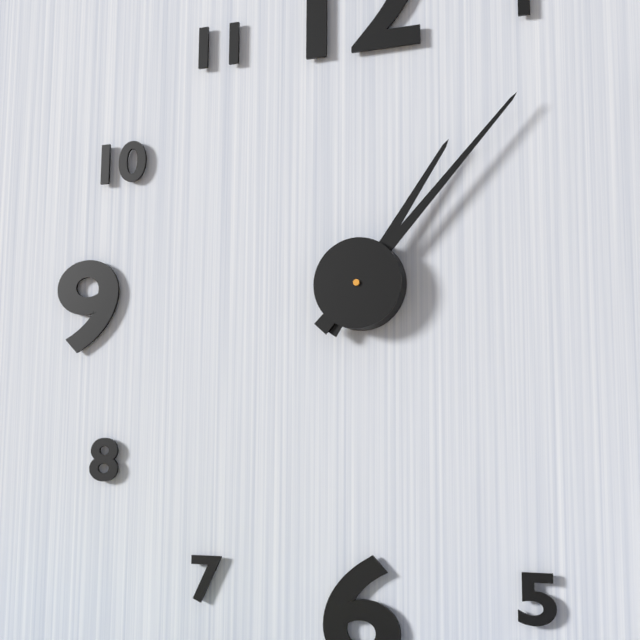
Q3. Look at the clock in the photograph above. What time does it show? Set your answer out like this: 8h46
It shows 1h07
